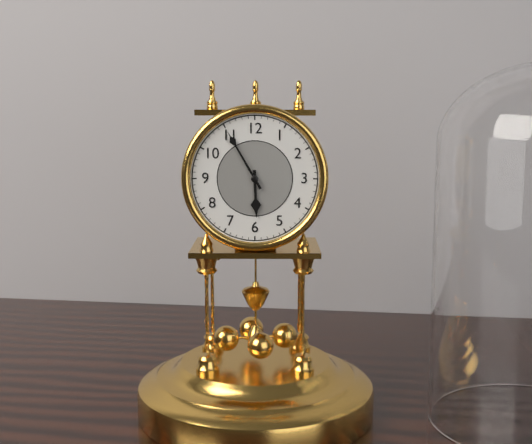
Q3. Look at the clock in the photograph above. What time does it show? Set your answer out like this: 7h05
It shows 5h55
